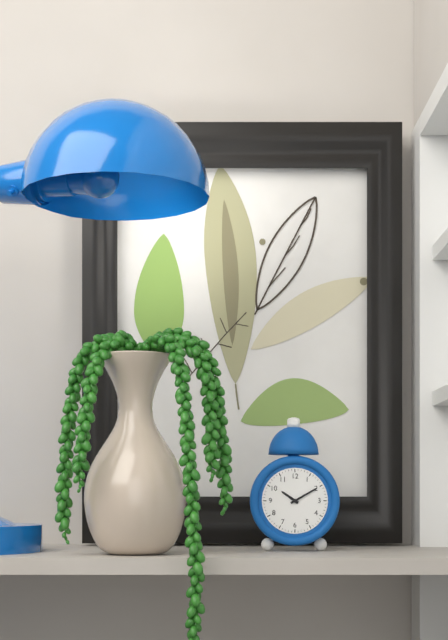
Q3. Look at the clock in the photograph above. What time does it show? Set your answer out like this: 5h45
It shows 10h10
